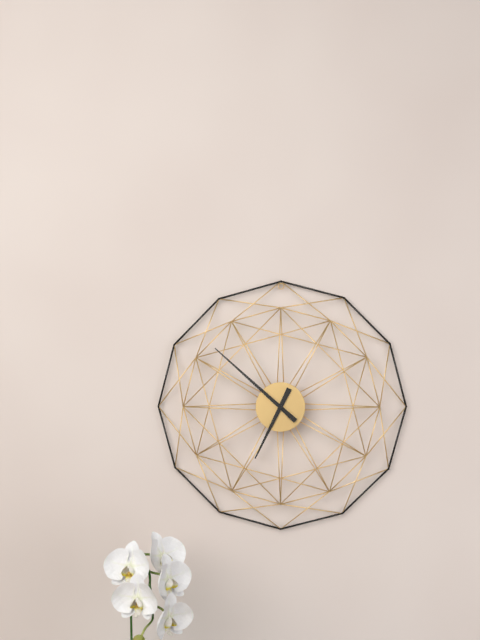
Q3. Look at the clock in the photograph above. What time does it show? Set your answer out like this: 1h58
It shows 6h52
